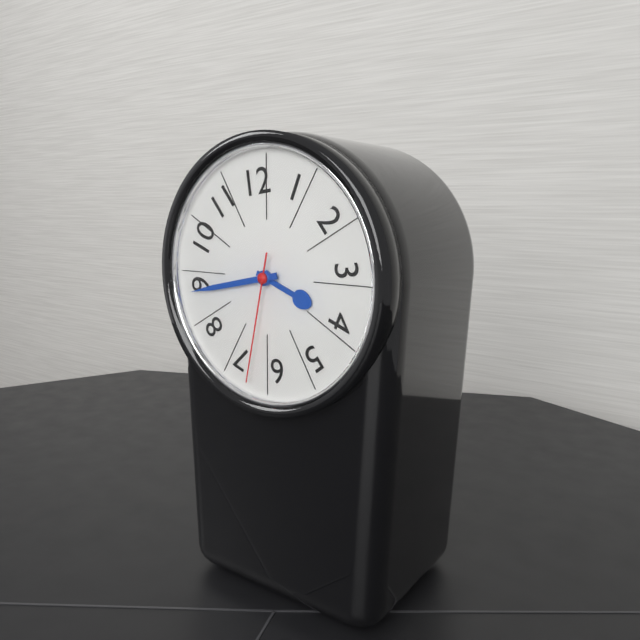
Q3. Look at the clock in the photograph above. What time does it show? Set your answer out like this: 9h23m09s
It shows 3h43m32s
